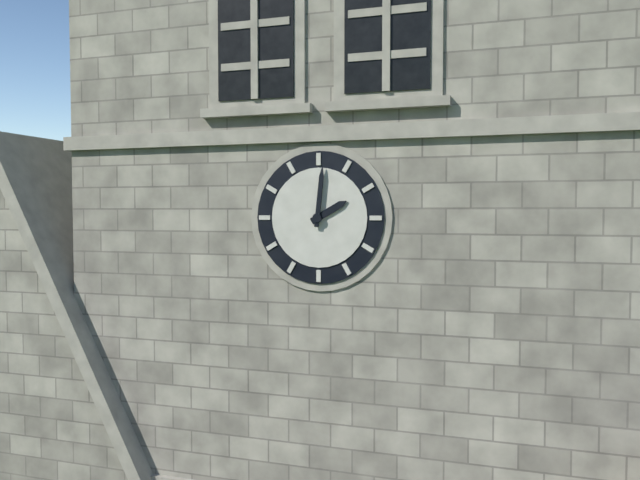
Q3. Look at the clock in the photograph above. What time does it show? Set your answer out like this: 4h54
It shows 2h01
